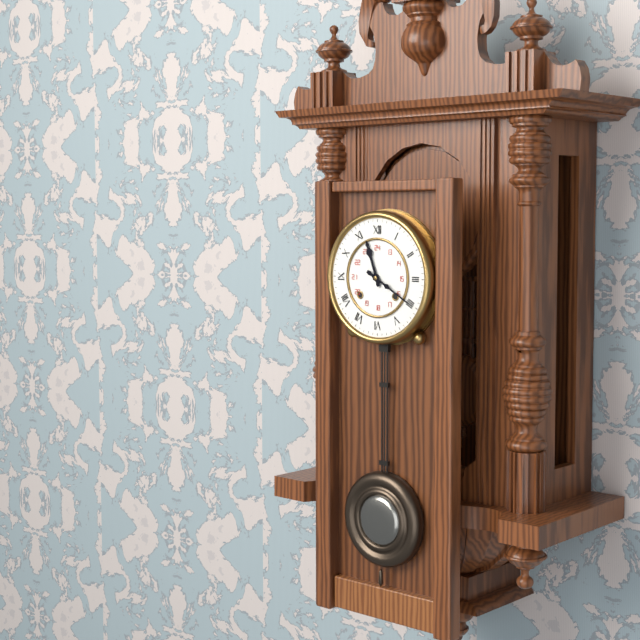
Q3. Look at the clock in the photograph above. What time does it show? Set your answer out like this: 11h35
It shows 11h20
